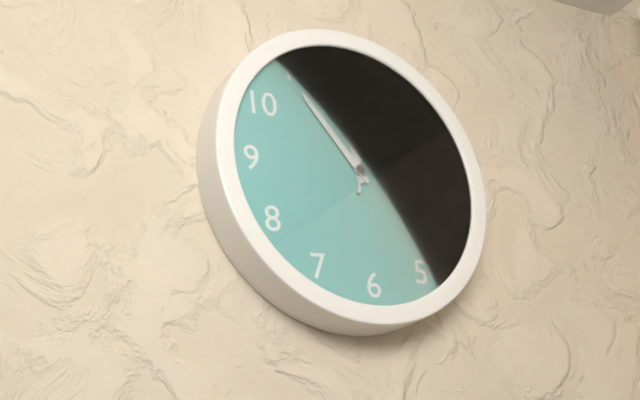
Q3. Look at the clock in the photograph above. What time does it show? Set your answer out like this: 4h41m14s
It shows 11h54m02s
